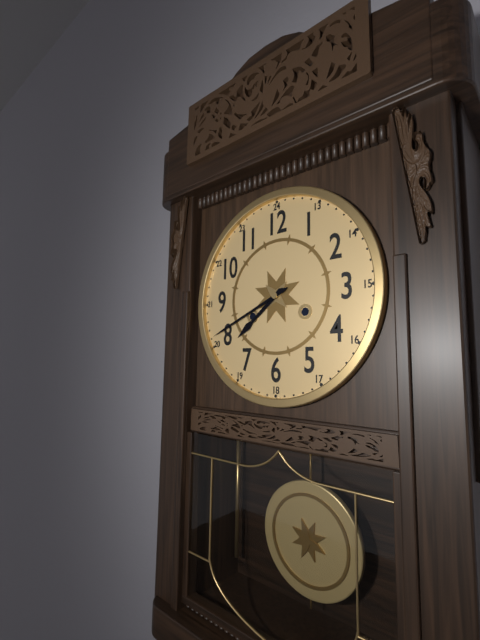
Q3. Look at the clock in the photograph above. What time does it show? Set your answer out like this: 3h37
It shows 7h41
